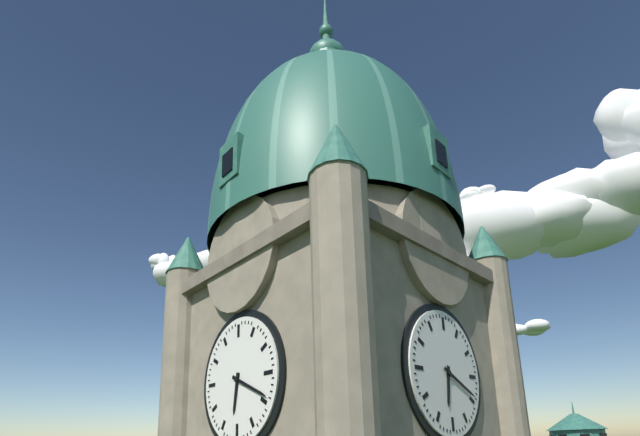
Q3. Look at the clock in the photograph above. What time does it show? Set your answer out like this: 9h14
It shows 6h19
